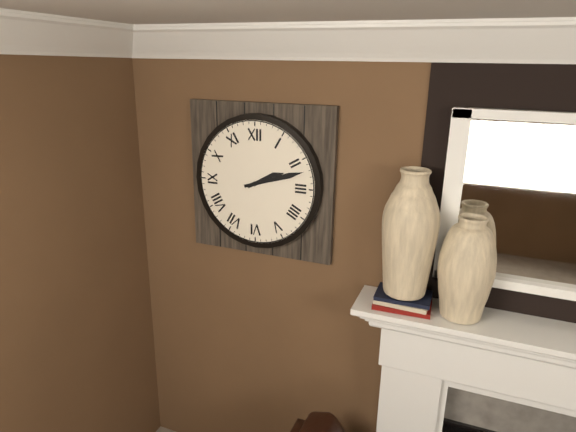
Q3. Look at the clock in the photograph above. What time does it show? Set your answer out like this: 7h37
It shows 2h12
